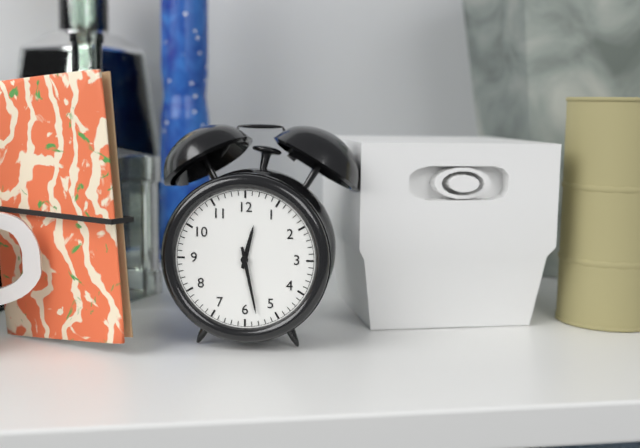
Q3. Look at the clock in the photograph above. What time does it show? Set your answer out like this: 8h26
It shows 12h28
